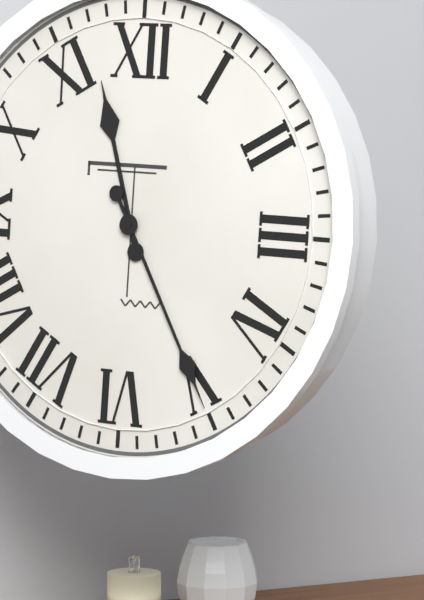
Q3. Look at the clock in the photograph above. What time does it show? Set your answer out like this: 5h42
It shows 11h25
